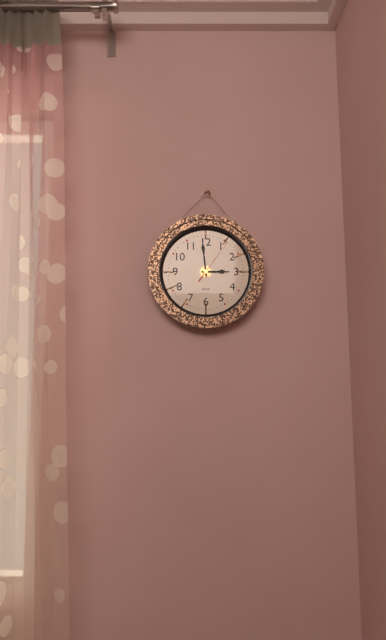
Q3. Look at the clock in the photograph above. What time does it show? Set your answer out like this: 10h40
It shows 2h59
